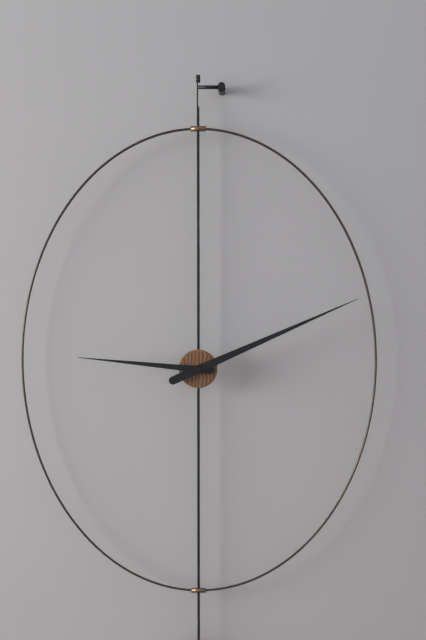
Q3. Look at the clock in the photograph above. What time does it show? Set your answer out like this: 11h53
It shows 9h11
